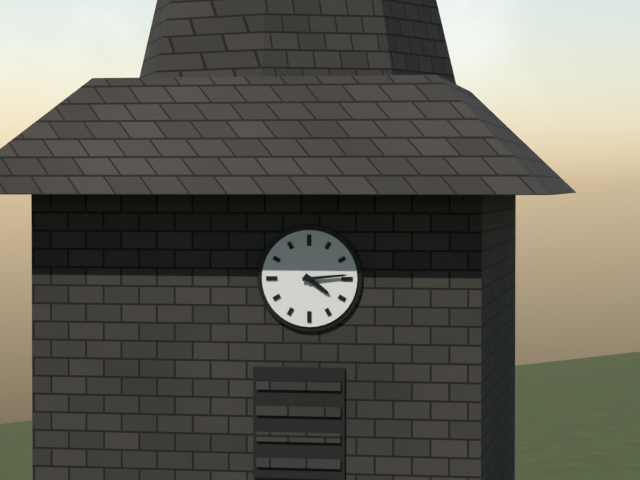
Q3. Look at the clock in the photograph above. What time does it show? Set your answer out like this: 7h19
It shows 4h14
